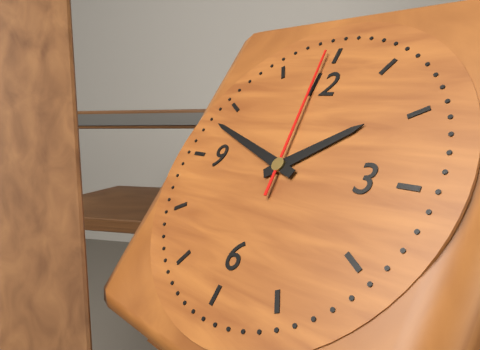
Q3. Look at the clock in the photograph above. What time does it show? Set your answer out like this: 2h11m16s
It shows 1h48m59s
